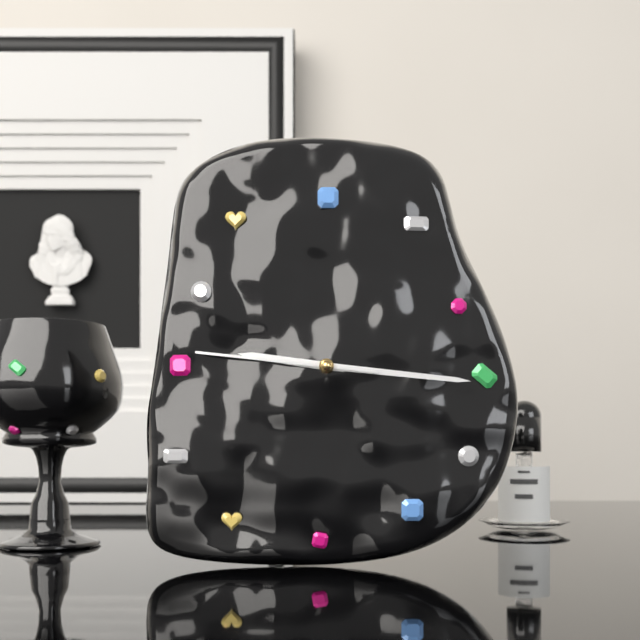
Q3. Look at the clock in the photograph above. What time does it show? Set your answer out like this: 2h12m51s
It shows 9h16m46s
